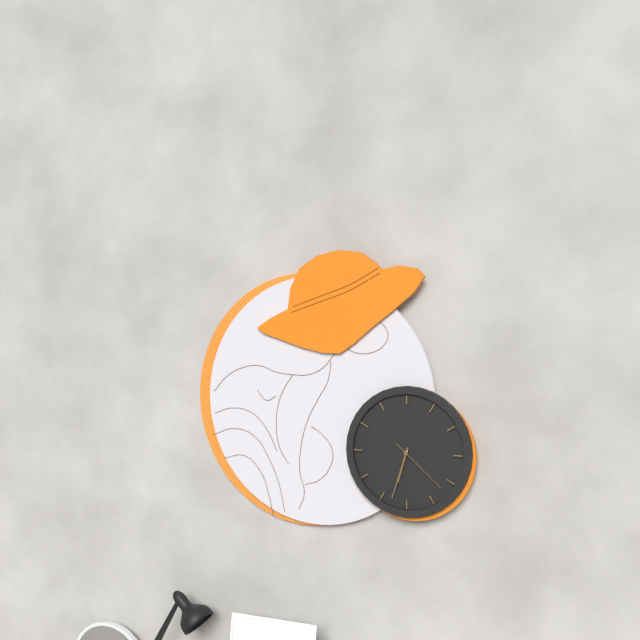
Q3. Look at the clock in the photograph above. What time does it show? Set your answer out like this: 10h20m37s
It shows 6h33m22s
